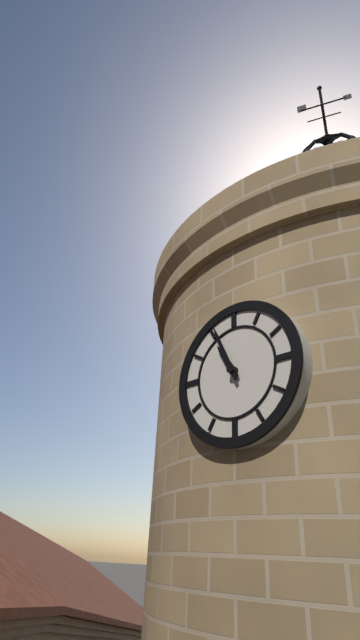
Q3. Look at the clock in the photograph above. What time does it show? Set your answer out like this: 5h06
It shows 10h56
